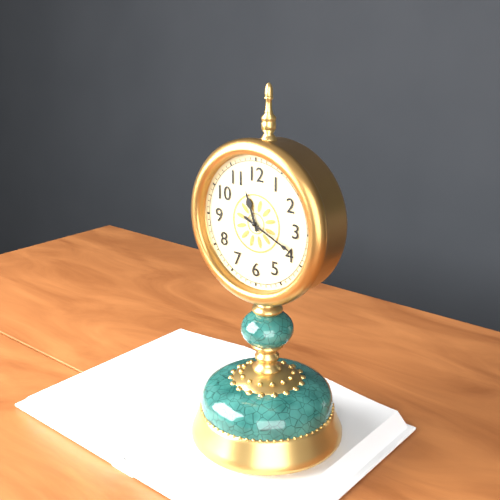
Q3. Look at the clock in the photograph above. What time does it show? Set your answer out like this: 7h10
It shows 11h19
